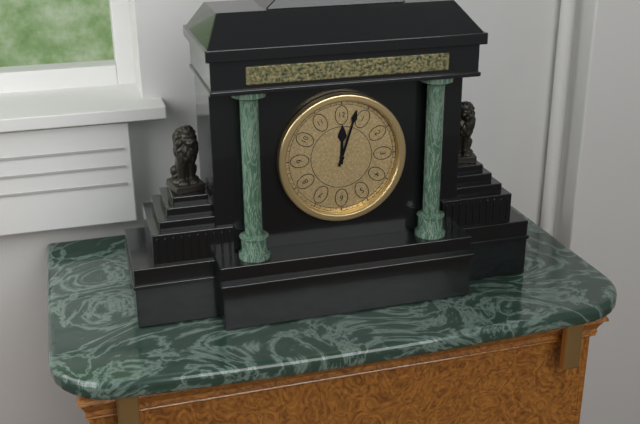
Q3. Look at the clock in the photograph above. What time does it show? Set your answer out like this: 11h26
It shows 12h03
